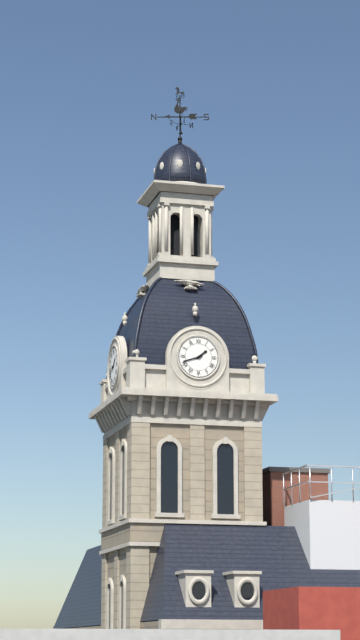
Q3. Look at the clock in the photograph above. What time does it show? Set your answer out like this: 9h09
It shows 1h42
